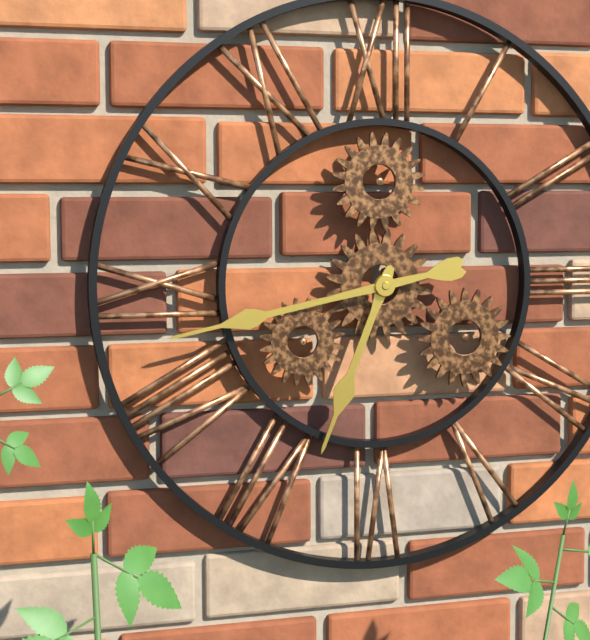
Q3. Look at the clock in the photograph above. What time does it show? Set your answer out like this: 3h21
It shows 6h43
